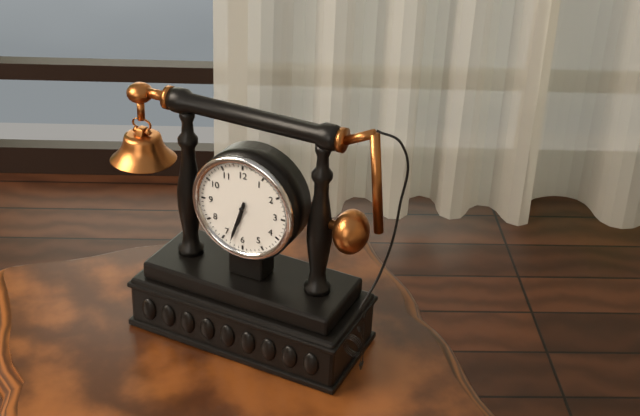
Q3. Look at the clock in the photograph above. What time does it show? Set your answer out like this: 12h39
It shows 6h33
